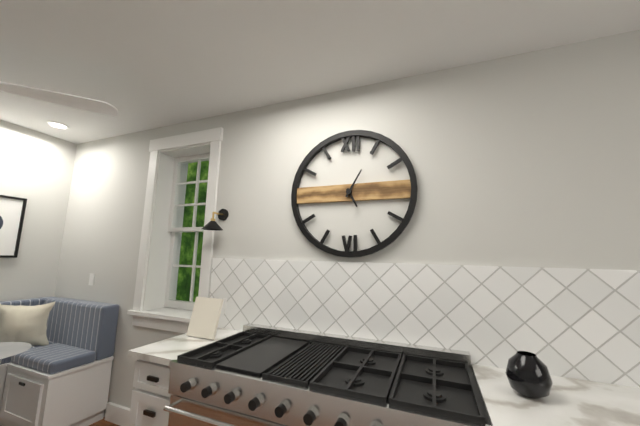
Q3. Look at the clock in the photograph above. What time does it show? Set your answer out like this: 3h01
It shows 5h05
